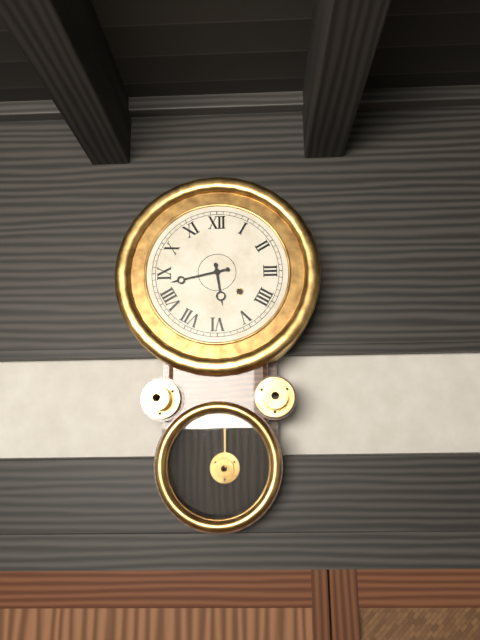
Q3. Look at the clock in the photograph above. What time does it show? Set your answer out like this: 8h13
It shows 5h43
